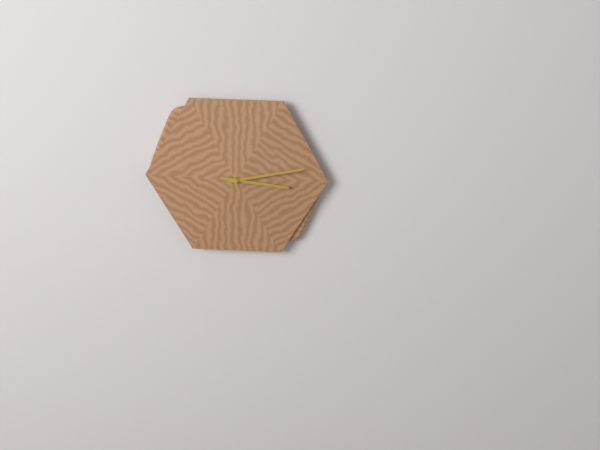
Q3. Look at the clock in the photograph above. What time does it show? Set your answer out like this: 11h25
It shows 3h13
